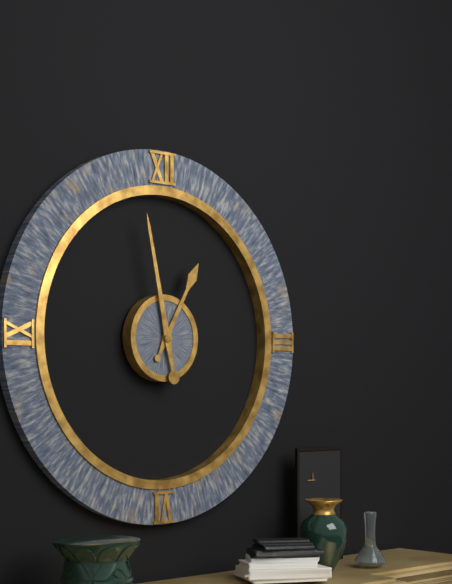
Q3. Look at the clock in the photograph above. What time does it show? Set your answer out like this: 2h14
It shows 12h58
